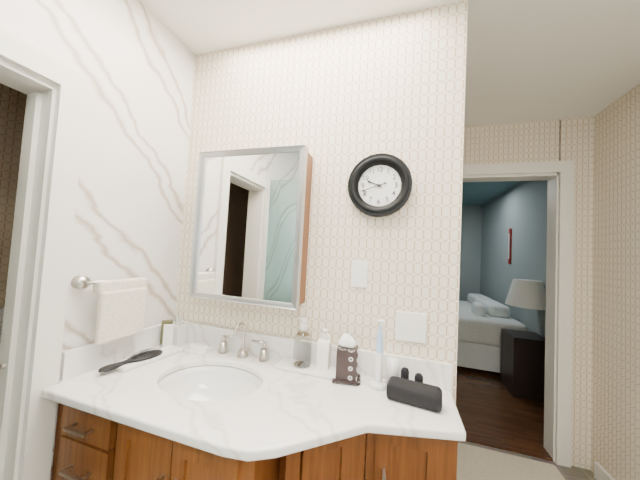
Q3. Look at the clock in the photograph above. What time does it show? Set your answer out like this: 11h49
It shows 9h42
